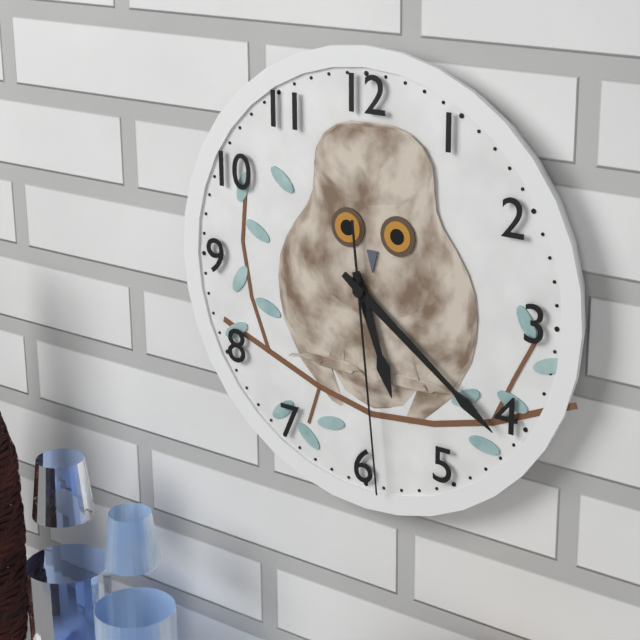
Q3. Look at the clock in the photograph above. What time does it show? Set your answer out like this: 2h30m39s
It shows 5h21m29s
